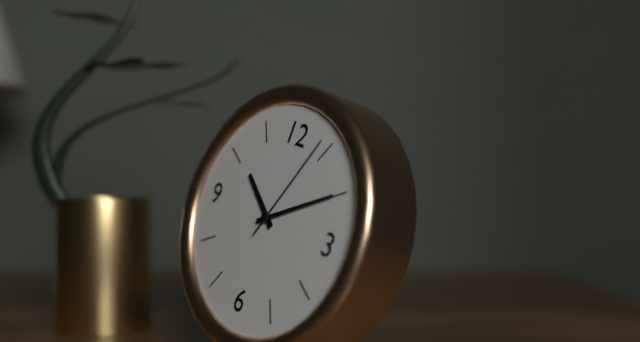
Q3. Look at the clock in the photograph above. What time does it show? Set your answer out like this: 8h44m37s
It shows 10h10m04s
